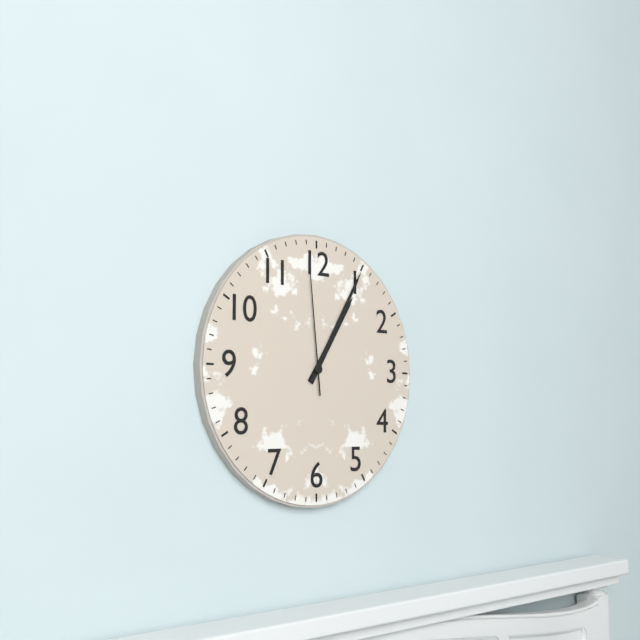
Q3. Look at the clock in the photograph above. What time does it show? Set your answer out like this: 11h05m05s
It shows 1h05m59s
